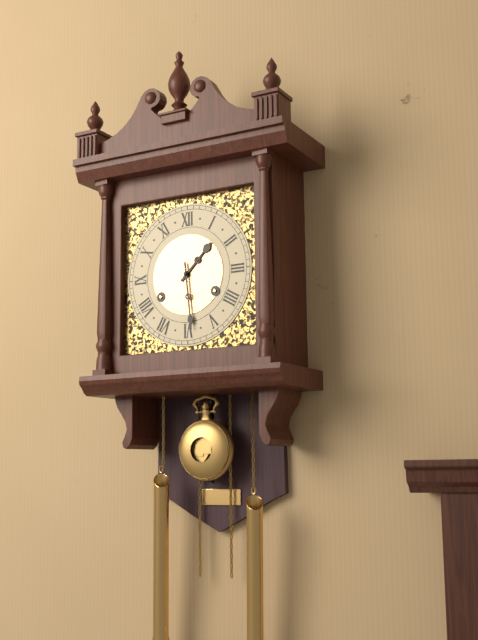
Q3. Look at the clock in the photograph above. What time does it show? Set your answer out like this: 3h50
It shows 1h29
